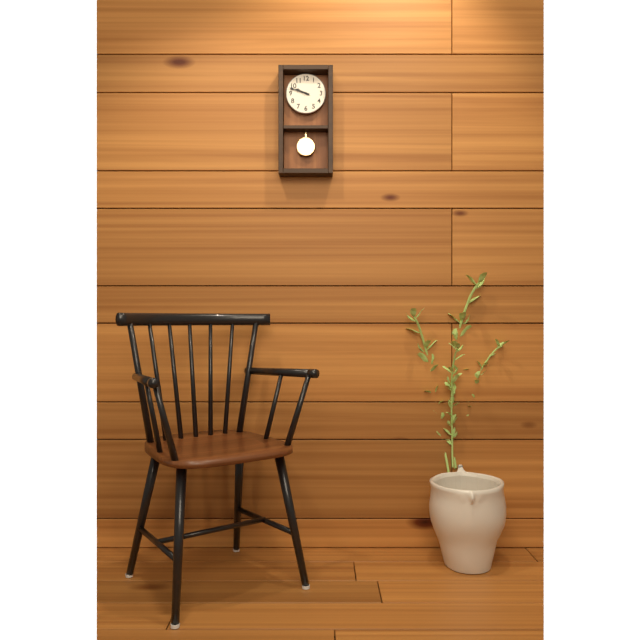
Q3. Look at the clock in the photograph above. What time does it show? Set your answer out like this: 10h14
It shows 9h48
